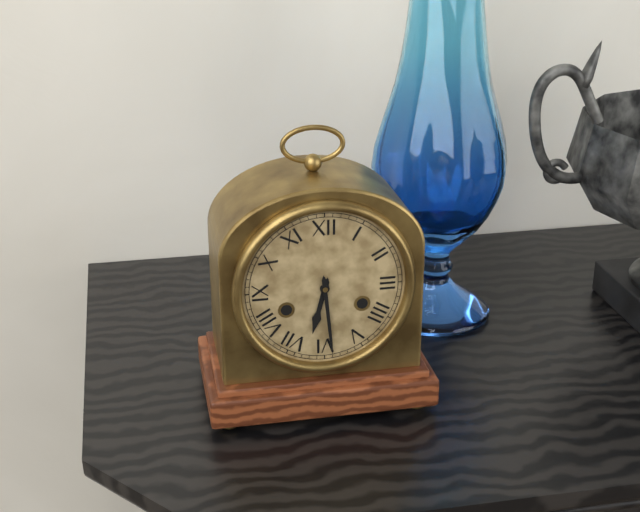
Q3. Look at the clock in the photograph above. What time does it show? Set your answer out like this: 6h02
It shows 6h29
